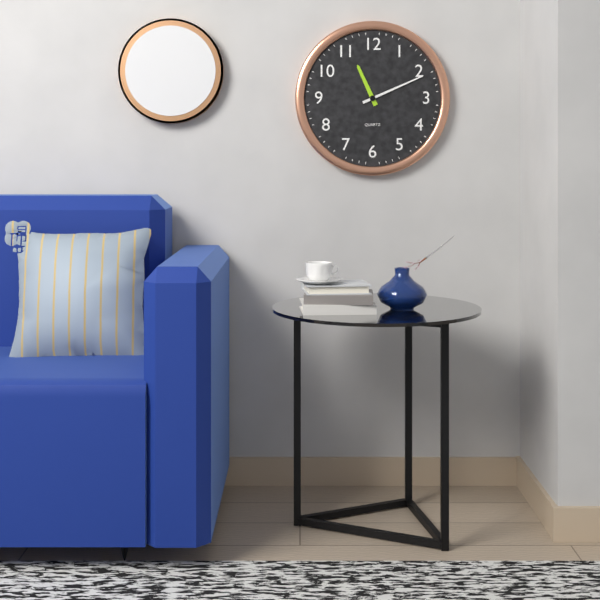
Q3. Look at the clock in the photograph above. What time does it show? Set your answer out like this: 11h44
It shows 11h11
